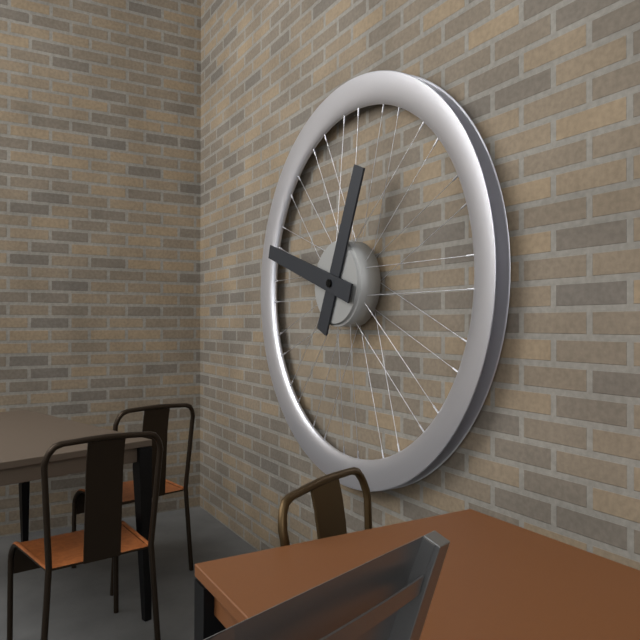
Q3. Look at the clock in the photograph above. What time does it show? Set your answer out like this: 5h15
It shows 12h48
